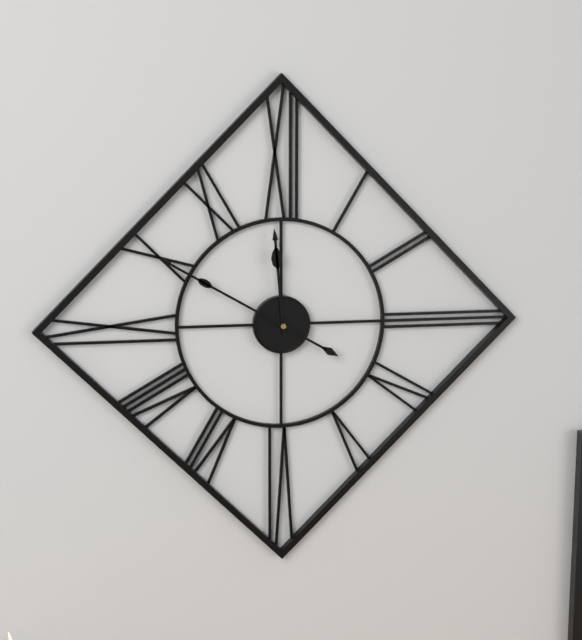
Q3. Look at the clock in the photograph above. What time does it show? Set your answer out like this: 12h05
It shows 11h50
